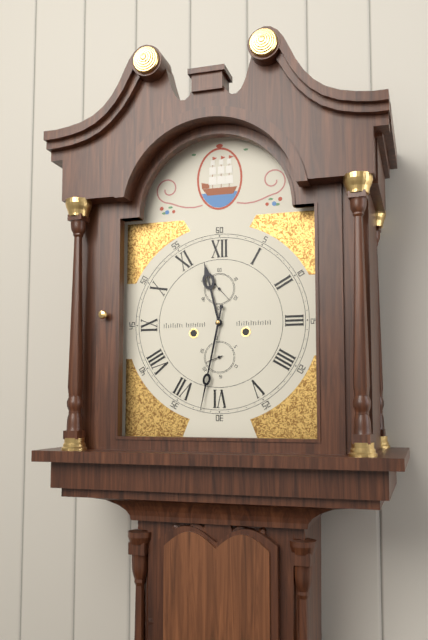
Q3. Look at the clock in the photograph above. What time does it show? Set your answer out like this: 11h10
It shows 11h32
